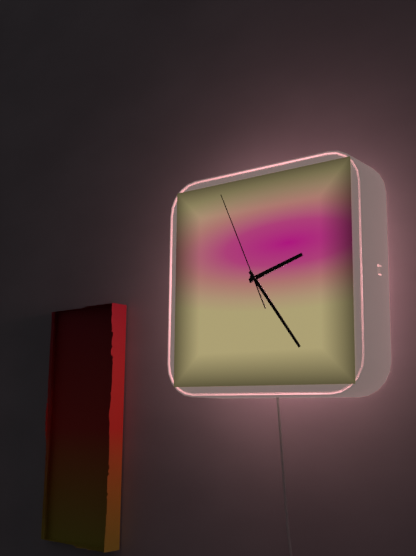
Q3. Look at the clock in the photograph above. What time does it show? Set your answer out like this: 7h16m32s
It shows 2h24m56s
